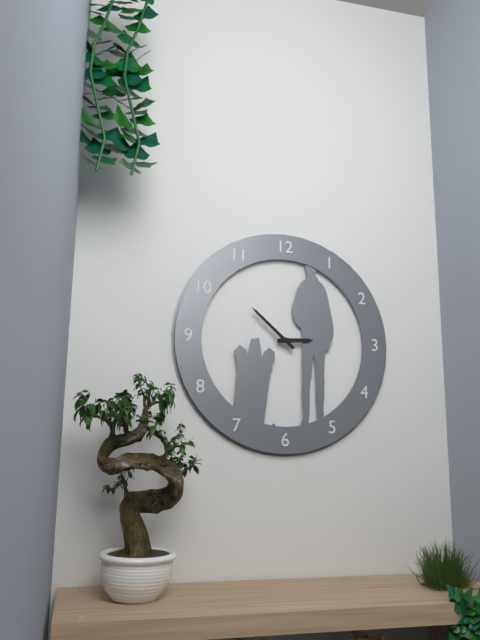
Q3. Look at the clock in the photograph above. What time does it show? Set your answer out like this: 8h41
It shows 2h52
